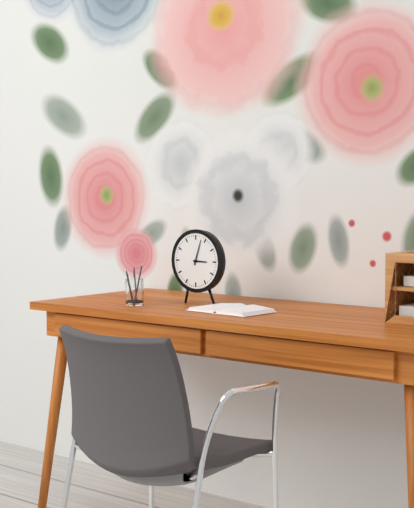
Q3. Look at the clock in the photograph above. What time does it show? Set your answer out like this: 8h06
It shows 3h03
